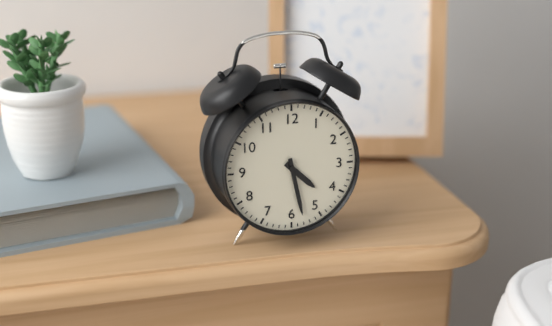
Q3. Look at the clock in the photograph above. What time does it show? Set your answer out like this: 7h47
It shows 4h28
